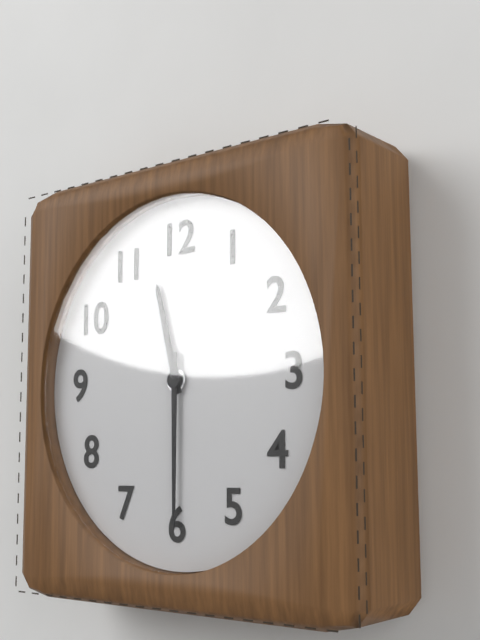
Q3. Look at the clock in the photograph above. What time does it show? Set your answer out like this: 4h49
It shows 11h30
